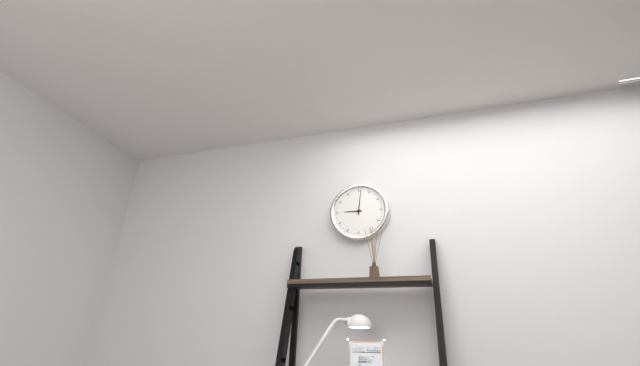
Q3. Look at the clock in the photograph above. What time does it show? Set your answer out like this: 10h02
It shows 9h01
